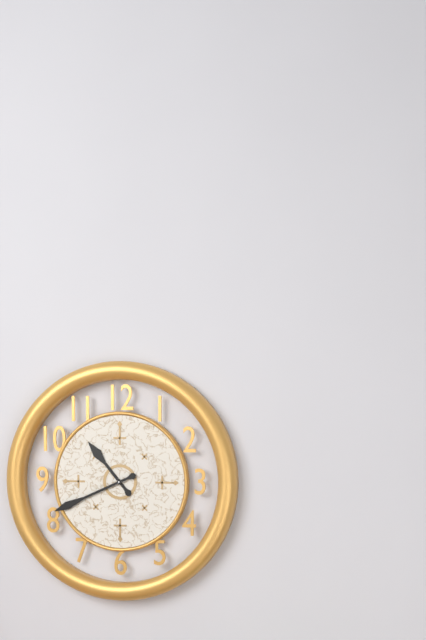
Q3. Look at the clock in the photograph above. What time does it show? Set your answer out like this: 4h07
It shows 10h41
